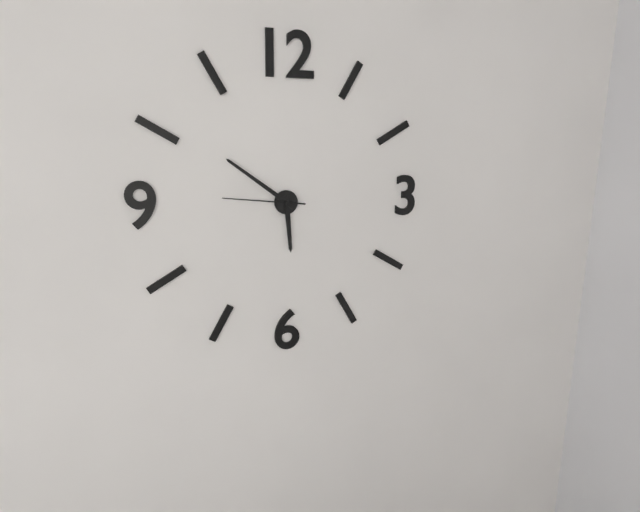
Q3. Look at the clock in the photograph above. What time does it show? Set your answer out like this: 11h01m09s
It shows 5h51m46s
